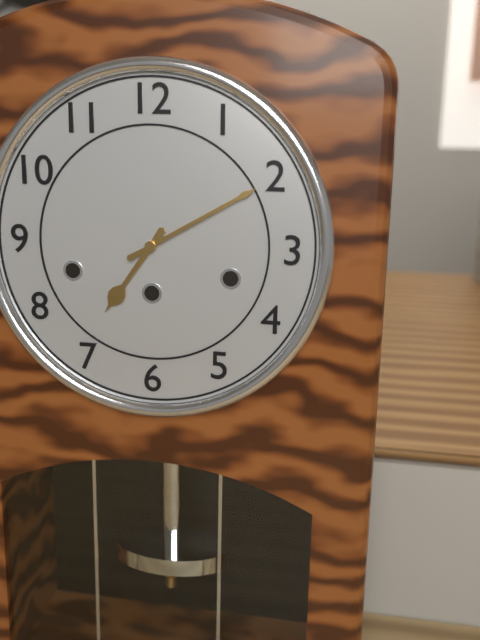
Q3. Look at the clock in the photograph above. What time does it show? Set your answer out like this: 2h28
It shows 7h10
